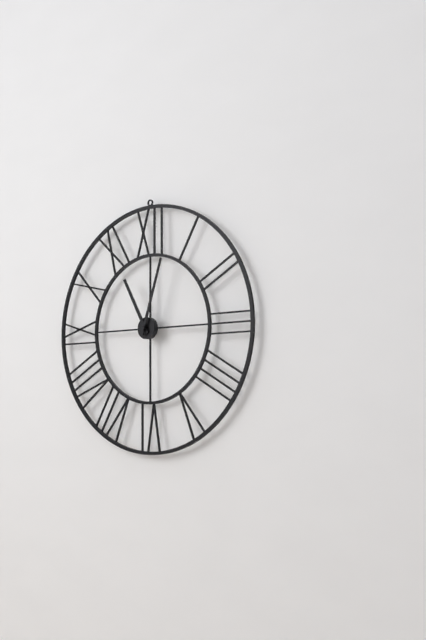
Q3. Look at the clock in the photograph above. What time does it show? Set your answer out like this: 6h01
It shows 11h03
